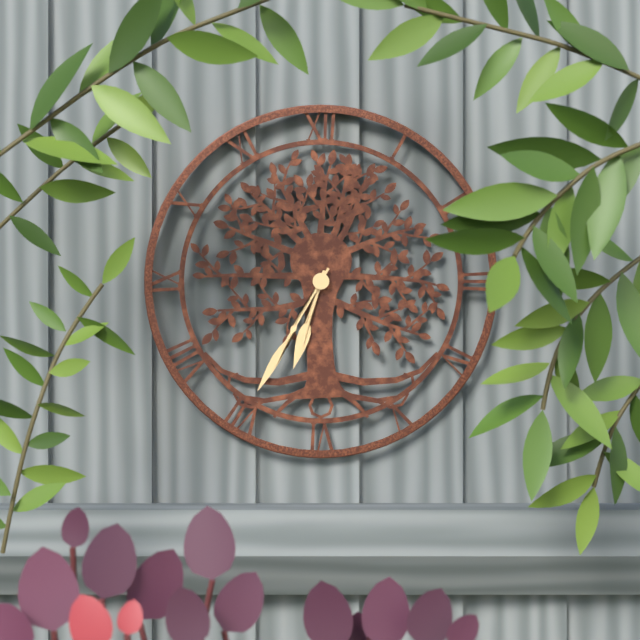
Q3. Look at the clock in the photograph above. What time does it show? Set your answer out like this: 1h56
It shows 6h35
